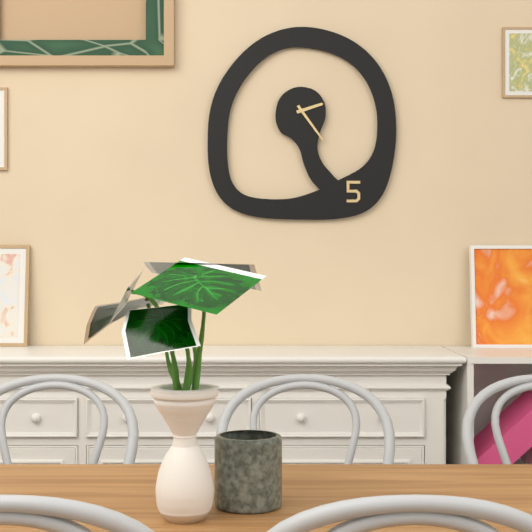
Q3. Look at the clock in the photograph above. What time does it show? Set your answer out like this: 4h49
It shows 2h24
